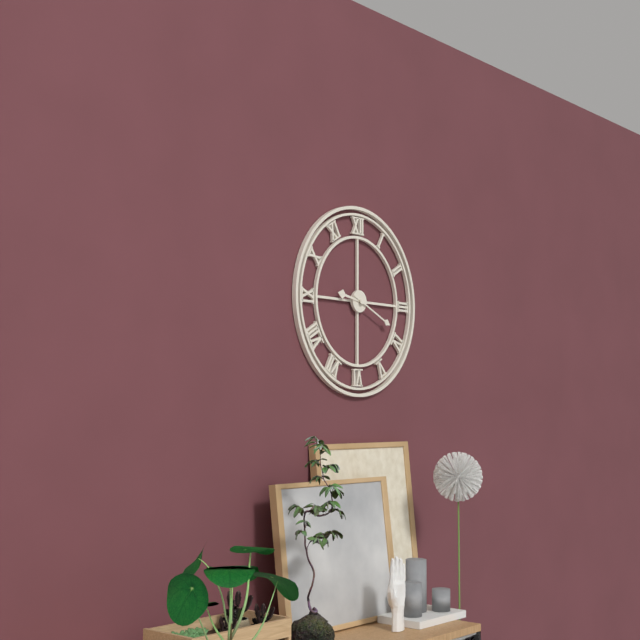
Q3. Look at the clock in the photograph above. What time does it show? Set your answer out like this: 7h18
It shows 9h19
